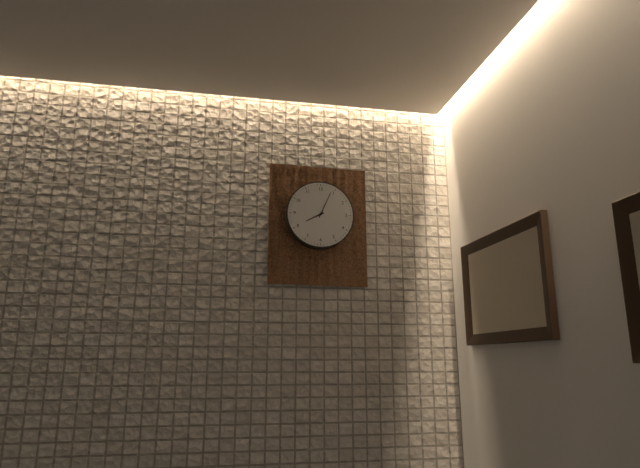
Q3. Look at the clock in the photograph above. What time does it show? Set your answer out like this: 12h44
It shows 8h04
